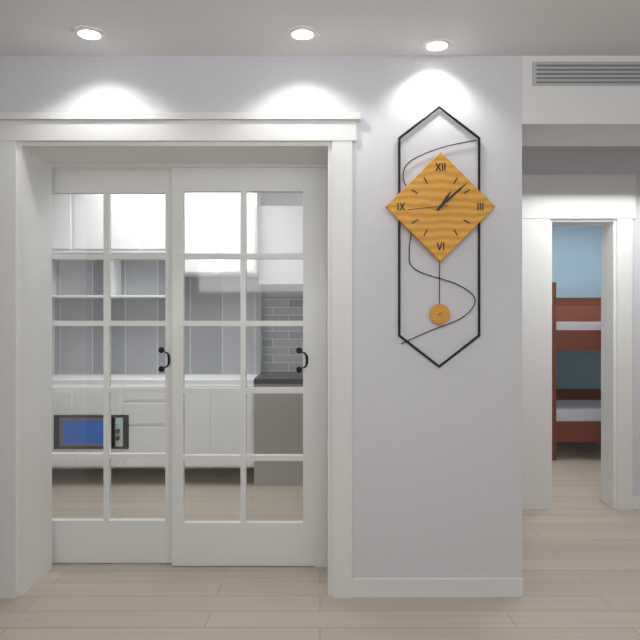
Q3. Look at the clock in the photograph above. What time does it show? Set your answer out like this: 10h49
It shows 1h08
